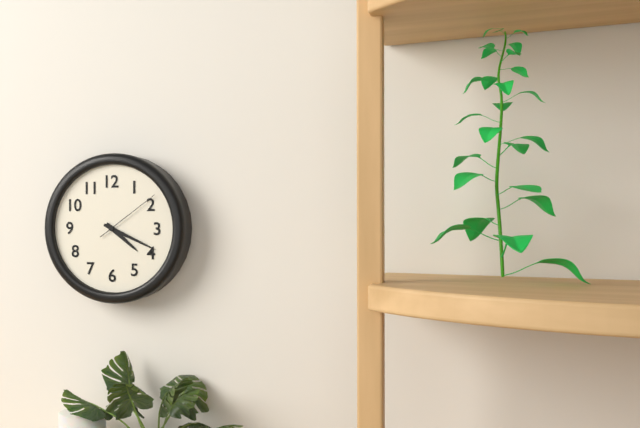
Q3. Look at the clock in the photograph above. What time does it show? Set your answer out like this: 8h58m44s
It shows 4h19m09s
